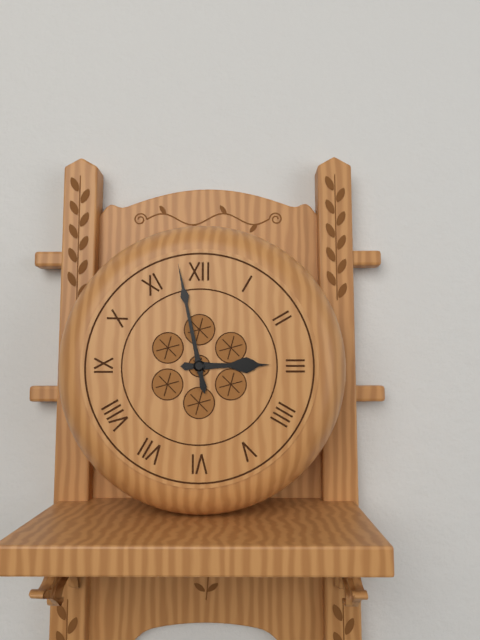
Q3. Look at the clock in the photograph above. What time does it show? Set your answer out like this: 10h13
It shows 2h58
